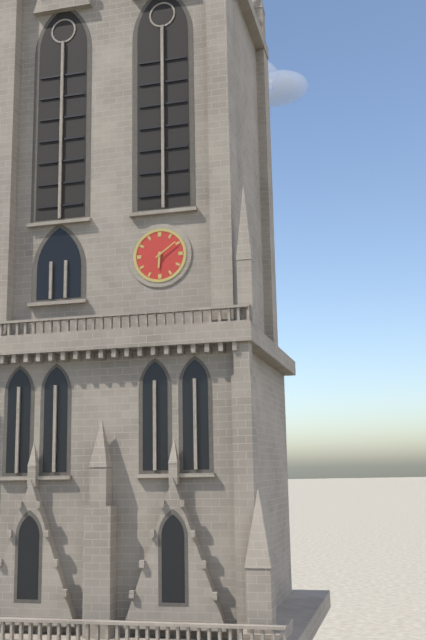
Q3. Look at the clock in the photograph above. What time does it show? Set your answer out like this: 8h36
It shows 6h09
